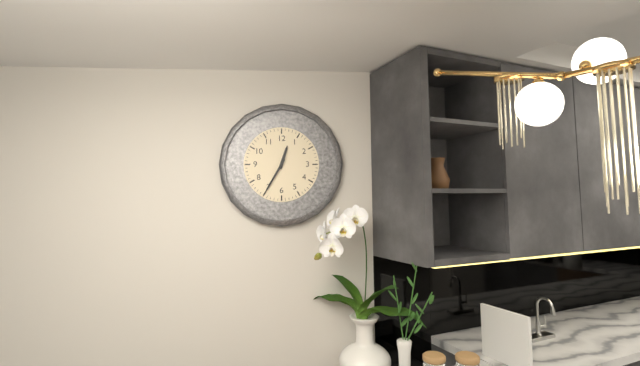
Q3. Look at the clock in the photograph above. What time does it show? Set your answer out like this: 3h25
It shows 12h35
